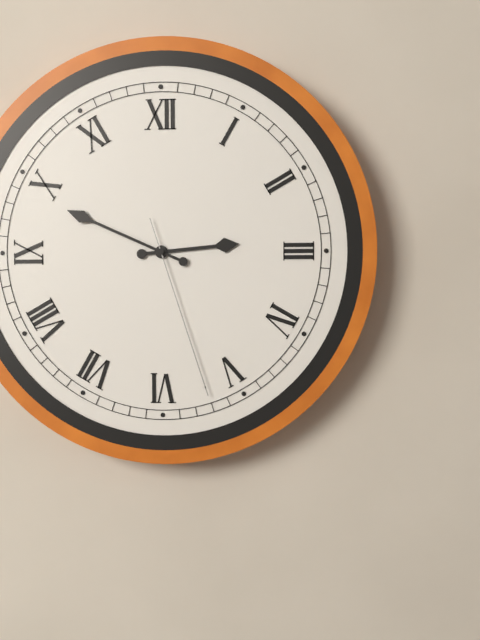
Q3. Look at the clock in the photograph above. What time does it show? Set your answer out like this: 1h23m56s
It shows 2h49m27s
